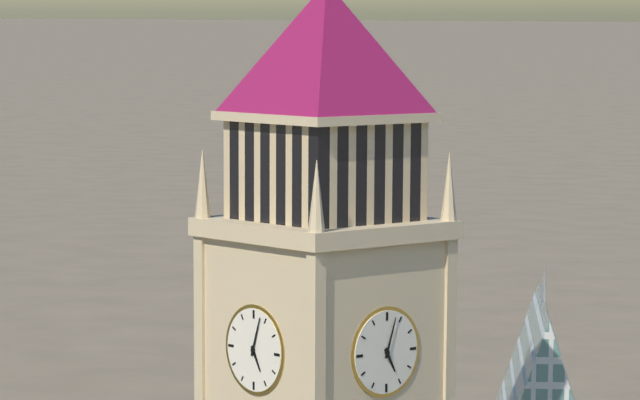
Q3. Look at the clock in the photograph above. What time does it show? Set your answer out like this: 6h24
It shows 5h03
